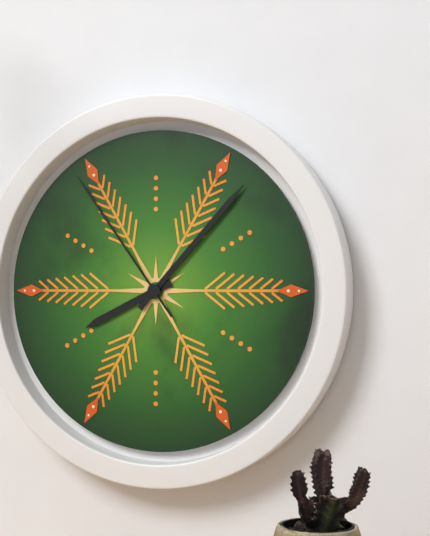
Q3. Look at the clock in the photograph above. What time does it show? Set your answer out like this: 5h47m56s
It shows 8h07m54s
